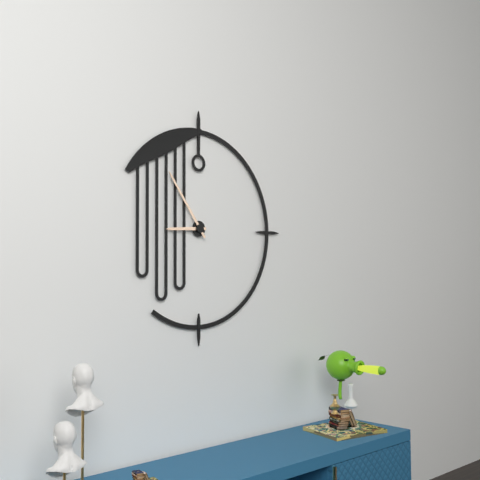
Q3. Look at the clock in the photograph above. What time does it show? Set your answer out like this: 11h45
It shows 8h54
